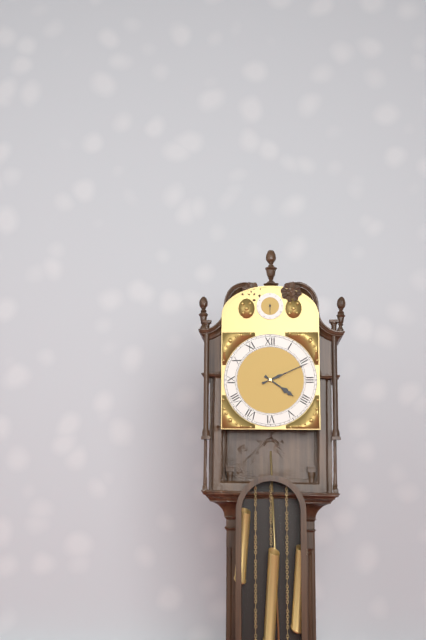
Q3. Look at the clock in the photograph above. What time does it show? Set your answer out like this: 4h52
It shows 4h11
